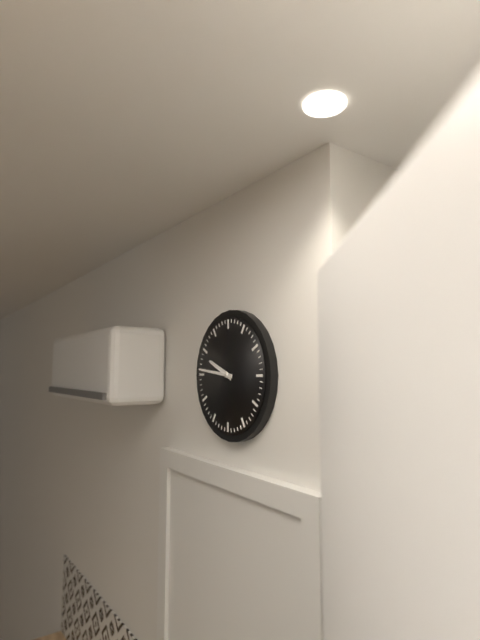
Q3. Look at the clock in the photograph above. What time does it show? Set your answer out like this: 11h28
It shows 9h46
